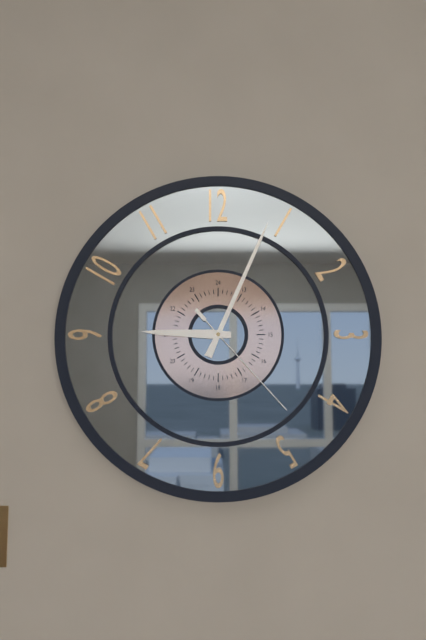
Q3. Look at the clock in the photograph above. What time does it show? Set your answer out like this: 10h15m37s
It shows 9h04m23s
